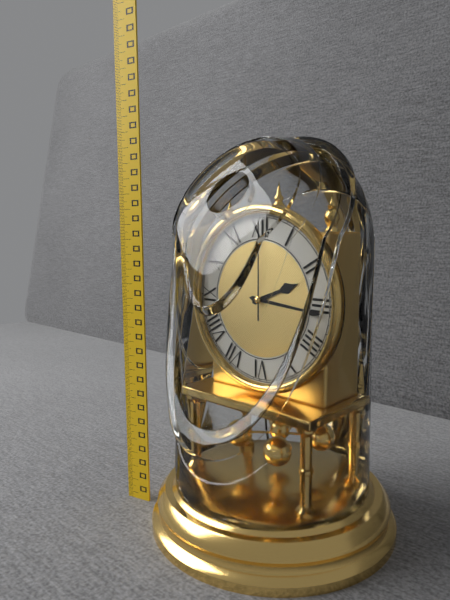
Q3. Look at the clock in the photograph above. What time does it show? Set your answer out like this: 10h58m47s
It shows 2h16m00s
